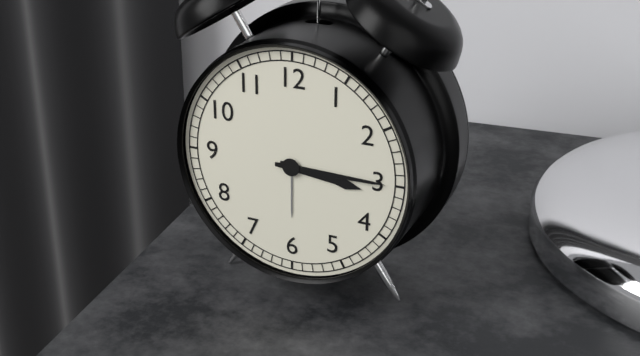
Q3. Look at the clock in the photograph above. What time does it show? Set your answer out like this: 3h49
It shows 3h15
